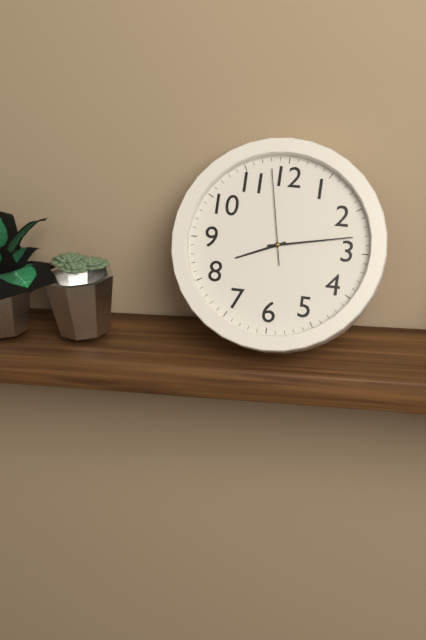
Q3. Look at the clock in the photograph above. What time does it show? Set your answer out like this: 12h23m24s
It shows 8h13m58s
